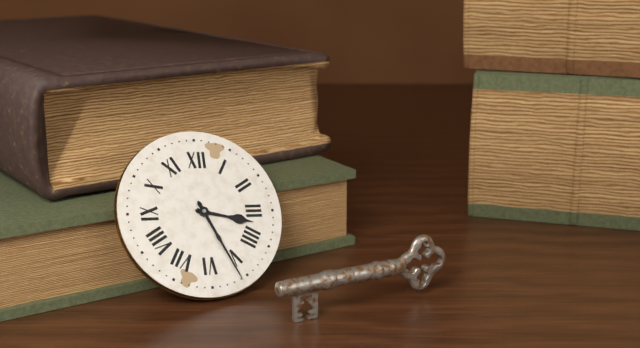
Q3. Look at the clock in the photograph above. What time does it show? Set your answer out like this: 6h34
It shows 3h26
